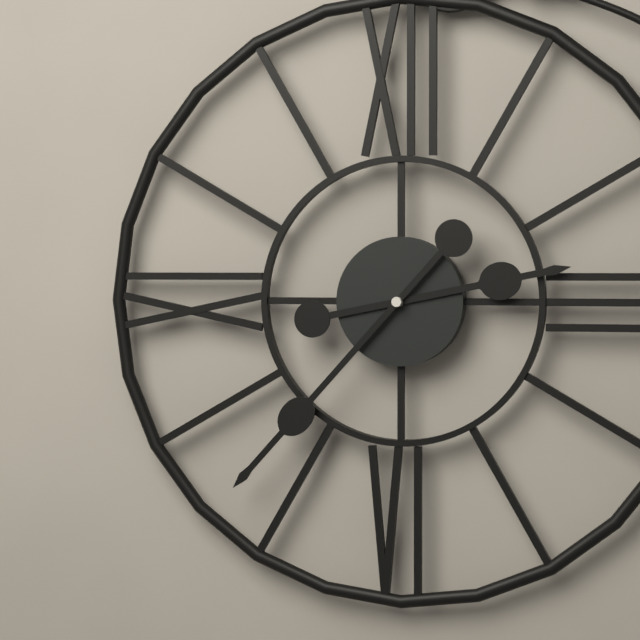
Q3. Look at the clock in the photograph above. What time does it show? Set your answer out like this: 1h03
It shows 2h37
